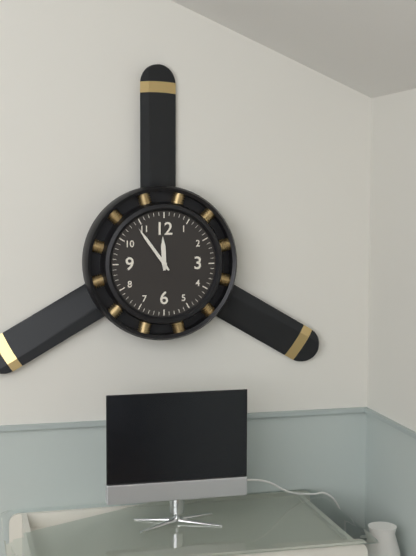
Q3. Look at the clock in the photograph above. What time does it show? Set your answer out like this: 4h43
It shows 11h54
